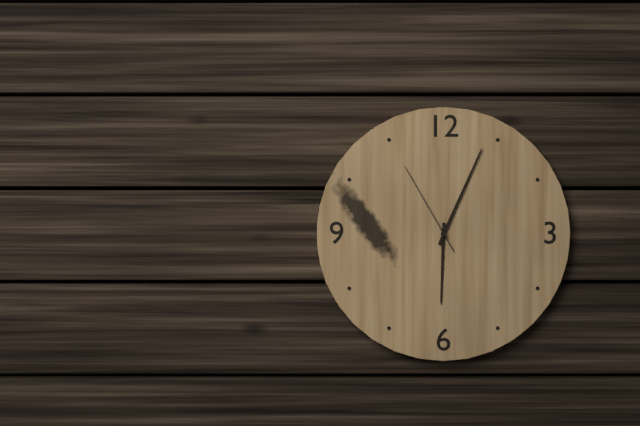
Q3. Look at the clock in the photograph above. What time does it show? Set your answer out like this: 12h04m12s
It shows 6h04m55s
